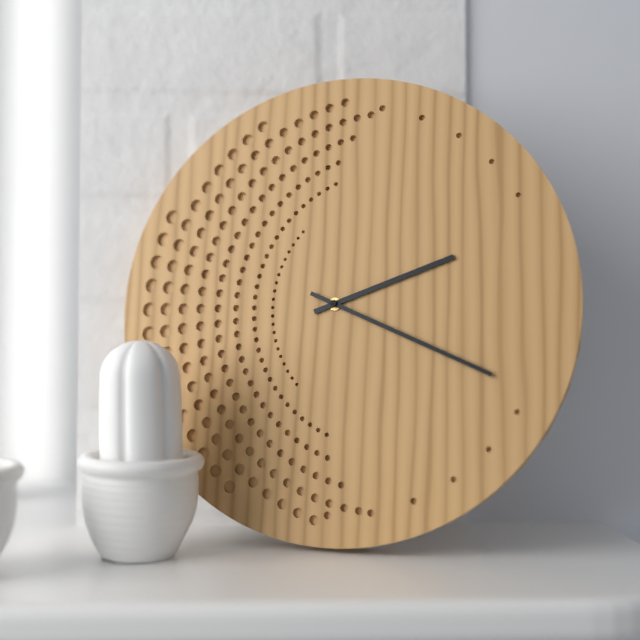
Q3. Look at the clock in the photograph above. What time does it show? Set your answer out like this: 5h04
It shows 2h19
